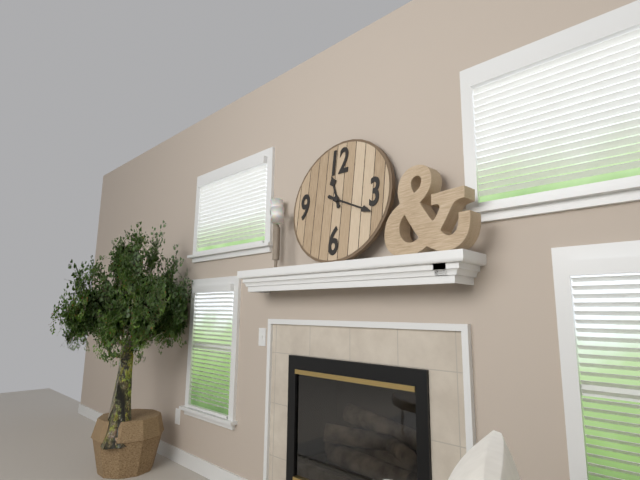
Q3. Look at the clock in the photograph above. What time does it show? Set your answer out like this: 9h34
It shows 11h19
